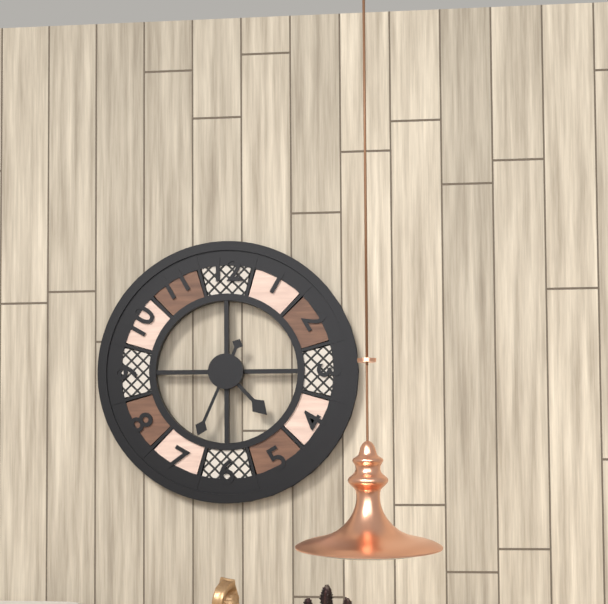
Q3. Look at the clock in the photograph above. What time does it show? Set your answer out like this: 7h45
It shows 4h34
